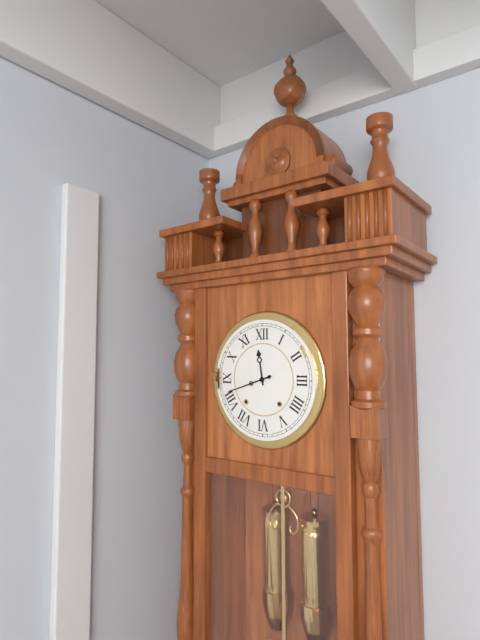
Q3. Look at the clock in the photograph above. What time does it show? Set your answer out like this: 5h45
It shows 11h42
